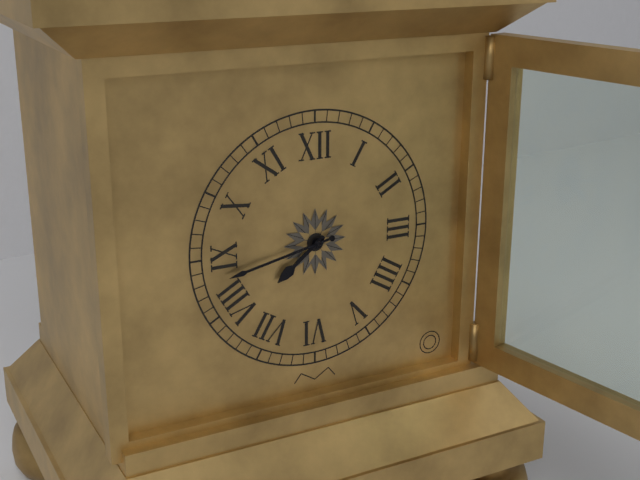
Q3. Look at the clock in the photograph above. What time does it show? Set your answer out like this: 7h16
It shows 7h43
